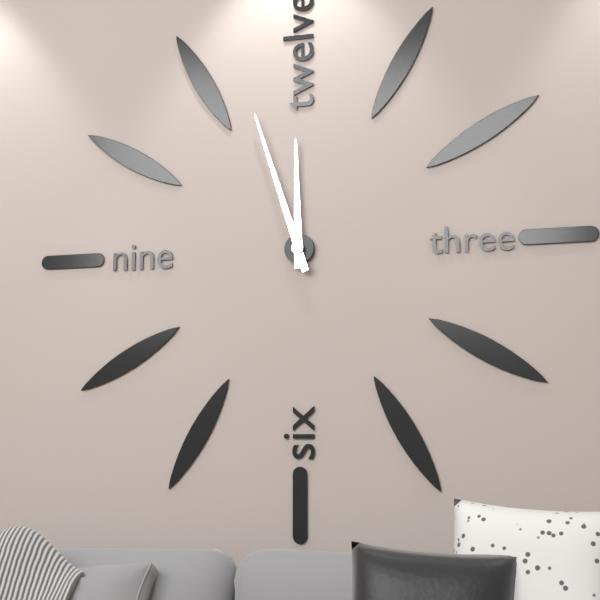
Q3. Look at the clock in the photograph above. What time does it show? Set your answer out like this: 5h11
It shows 11h57
